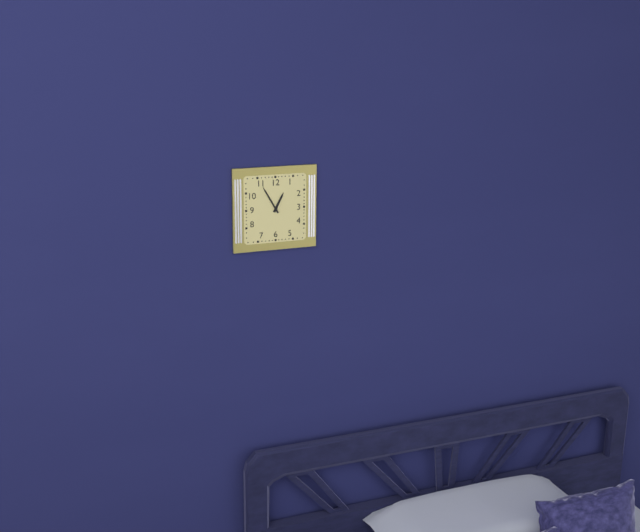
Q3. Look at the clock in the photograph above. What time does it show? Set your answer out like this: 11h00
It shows 12h55
